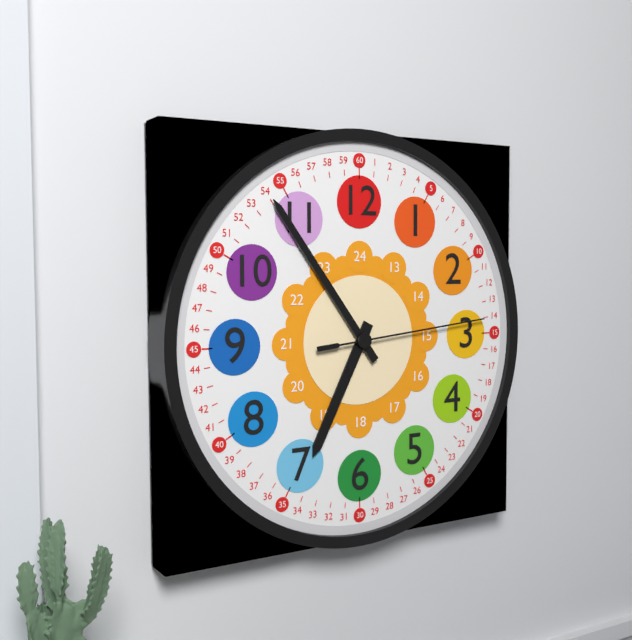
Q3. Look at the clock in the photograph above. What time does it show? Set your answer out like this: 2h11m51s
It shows 6h54m14s
